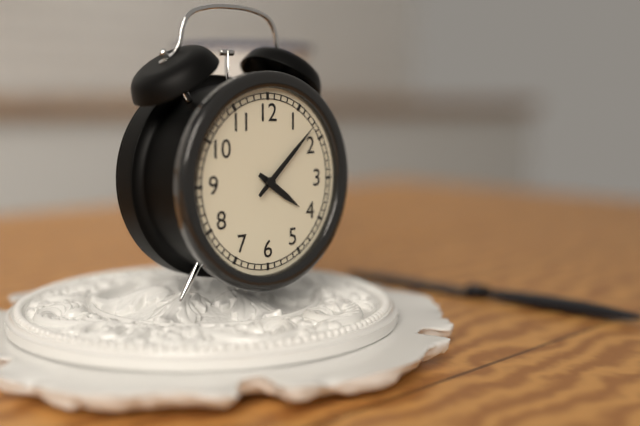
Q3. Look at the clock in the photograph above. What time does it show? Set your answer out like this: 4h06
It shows 4h08
